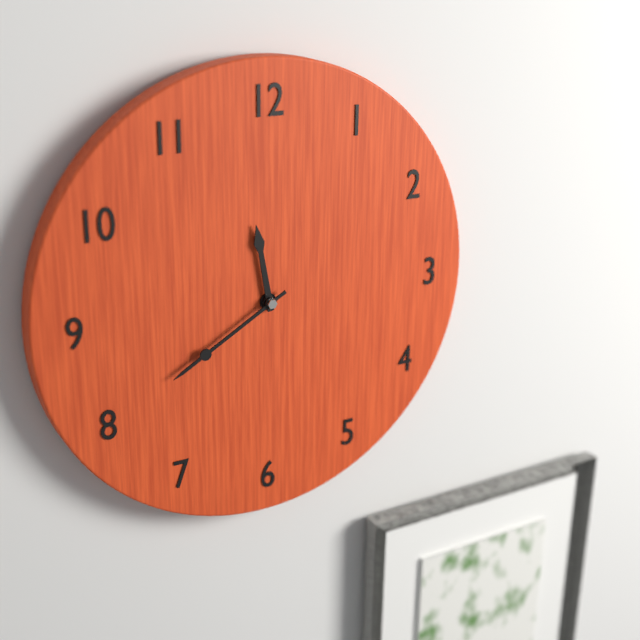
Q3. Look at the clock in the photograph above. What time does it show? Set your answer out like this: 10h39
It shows 11h40
